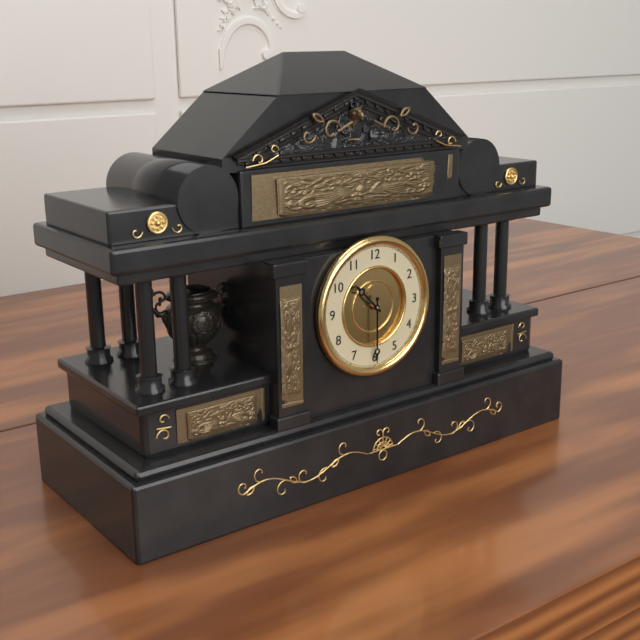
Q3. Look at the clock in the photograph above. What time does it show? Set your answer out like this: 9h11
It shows 10h30
